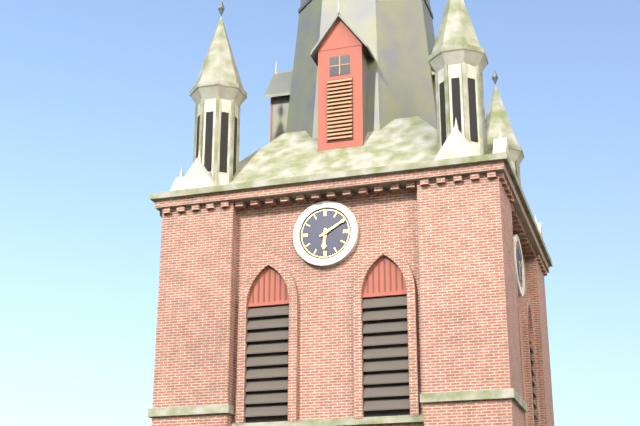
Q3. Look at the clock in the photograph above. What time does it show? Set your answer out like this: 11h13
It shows 6h10
